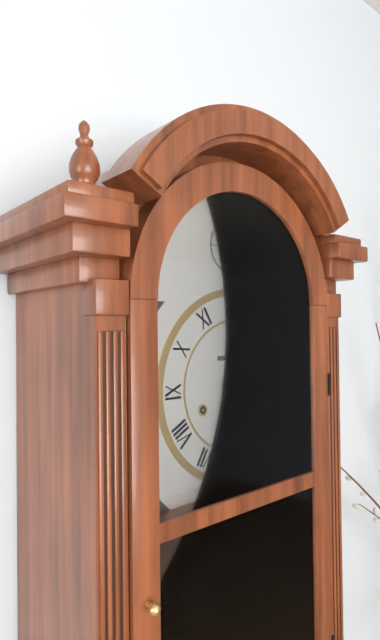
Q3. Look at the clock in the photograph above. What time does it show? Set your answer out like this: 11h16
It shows 1h16
